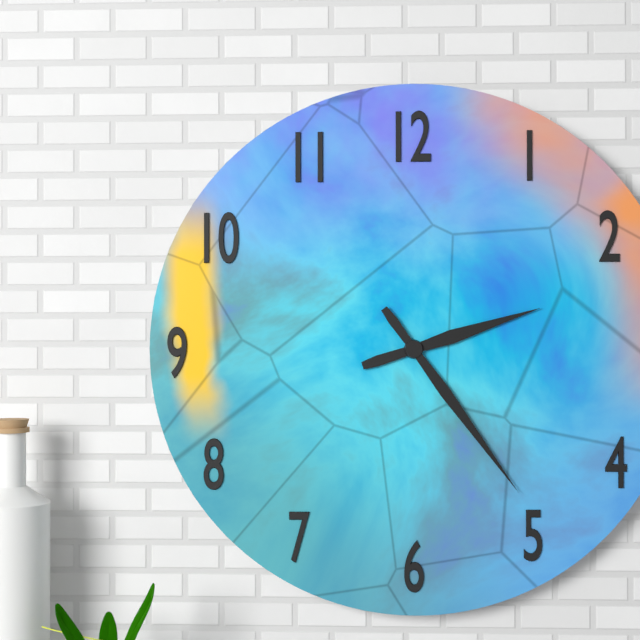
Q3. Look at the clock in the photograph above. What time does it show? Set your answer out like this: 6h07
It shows 2h24
